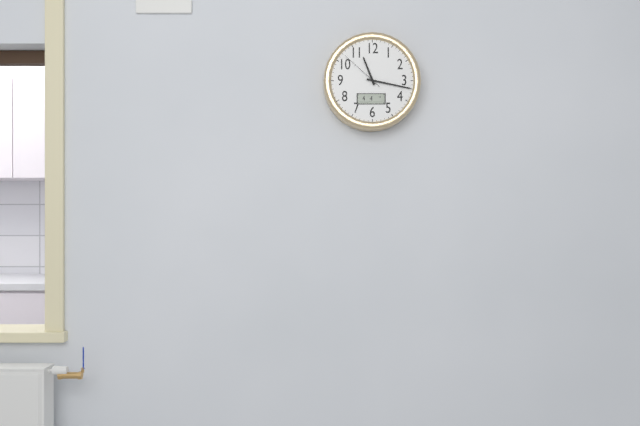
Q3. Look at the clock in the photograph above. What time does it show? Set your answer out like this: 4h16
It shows 11h17
